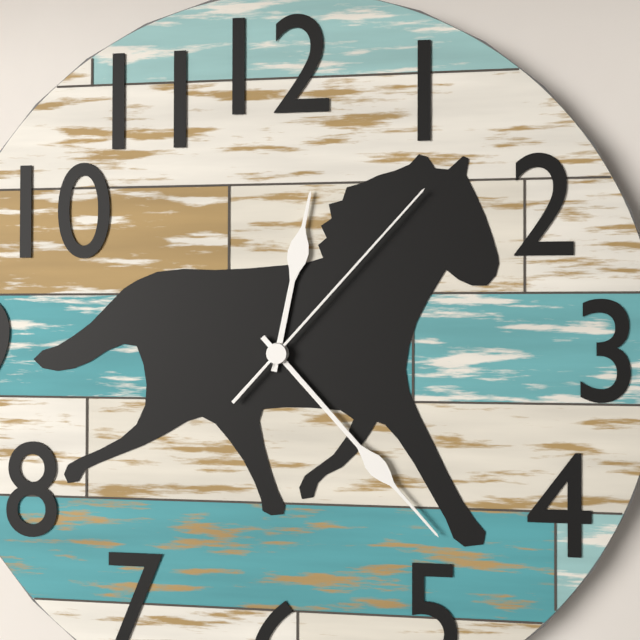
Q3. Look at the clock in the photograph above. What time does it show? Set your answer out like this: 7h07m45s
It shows 12h23m07s
